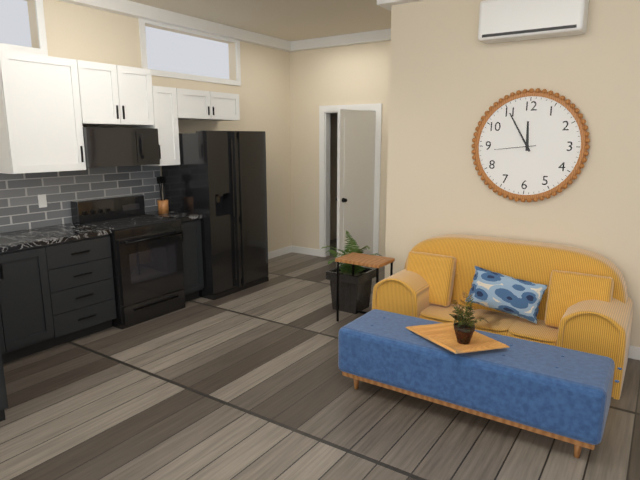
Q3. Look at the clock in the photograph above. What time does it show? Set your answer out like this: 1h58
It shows 11h55
